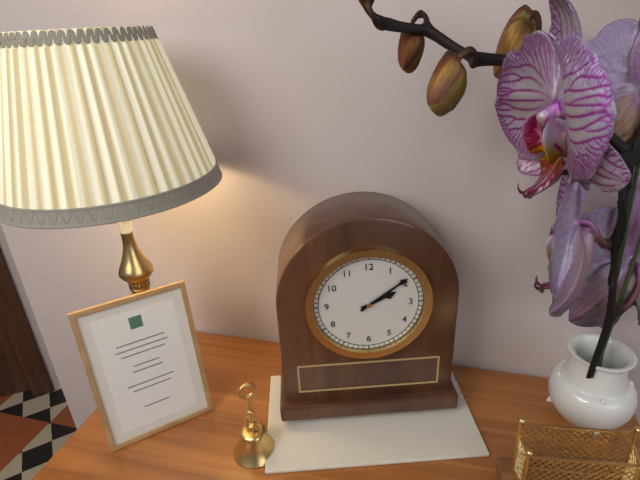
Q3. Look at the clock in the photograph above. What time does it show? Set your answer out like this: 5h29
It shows 2h09
